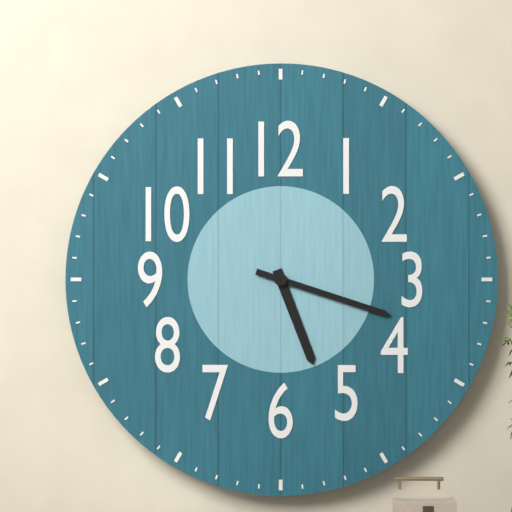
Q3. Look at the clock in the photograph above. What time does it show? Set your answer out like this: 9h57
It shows 5h18
